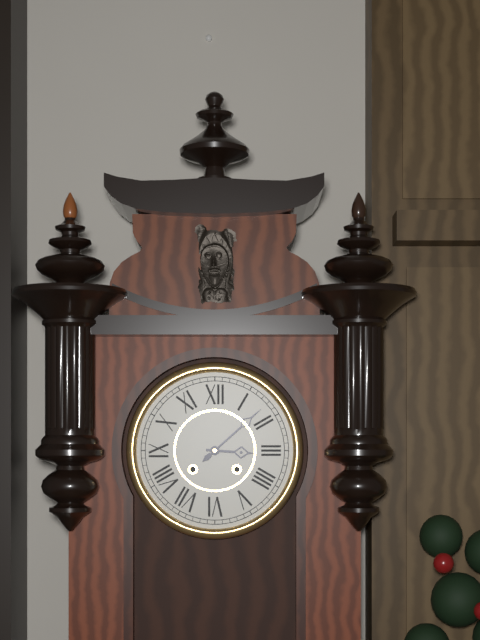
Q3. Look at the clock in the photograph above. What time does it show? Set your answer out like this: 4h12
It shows 3h08
